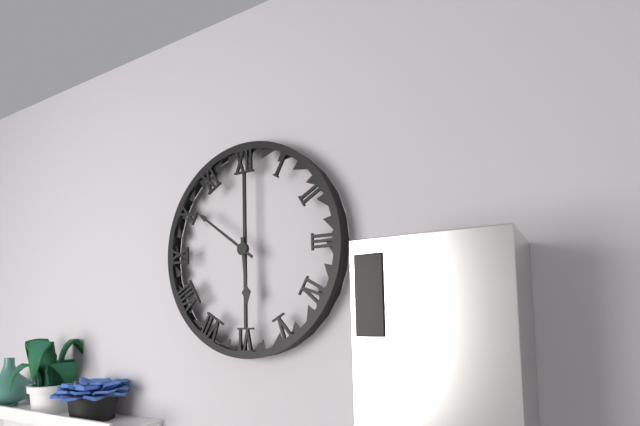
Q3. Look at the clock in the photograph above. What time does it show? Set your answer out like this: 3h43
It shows 5h51
